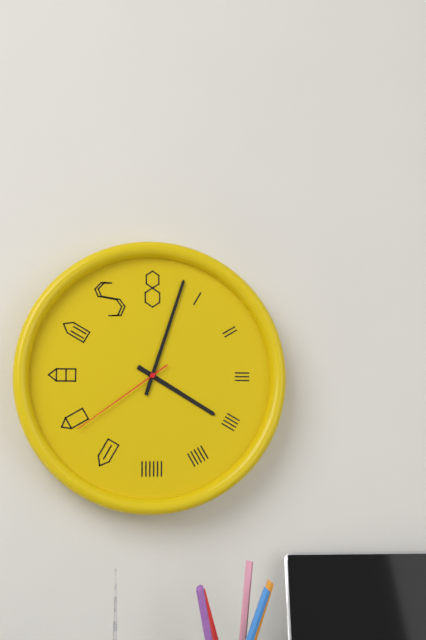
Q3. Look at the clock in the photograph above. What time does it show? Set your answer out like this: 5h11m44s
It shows 4h03m39s
